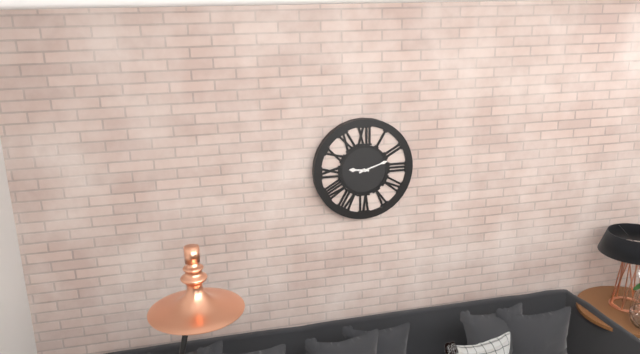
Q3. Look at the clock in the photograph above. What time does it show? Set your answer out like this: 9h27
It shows 9h12
